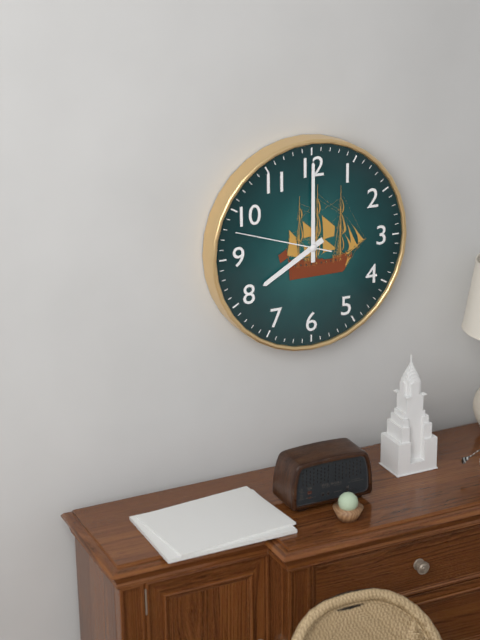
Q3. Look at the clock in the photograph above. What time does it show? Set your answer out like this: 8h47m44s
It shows 8h00m48s
